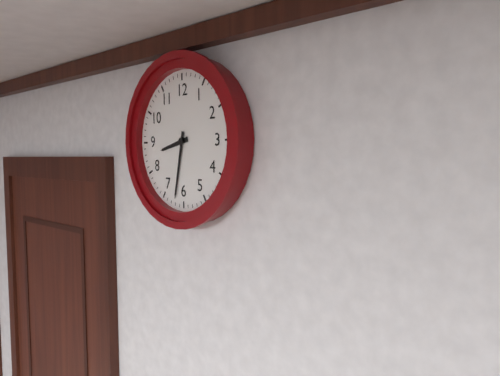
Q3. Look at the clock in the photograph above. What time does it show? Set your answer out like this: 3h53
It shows 8h32
